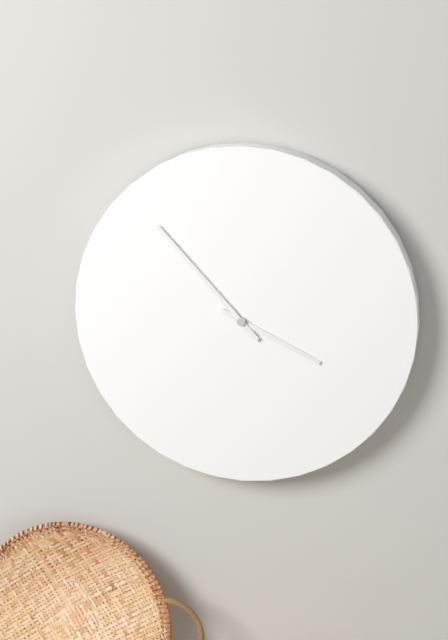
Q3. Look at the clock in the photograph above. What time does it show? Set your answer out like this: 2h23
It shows 3h53
